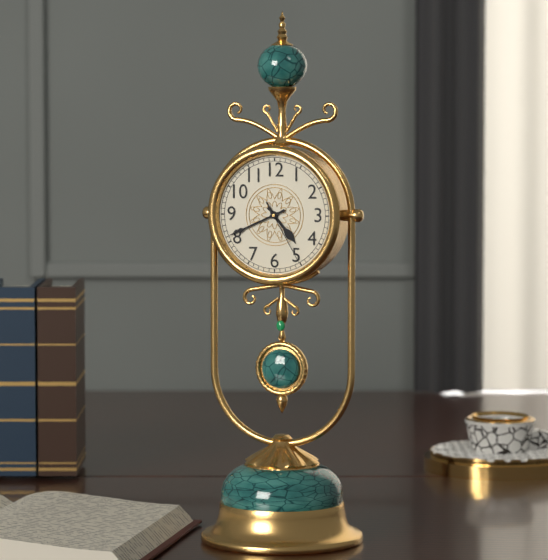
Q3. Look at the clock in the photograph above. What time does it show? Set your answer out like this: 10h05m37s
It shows 4h41m25s
